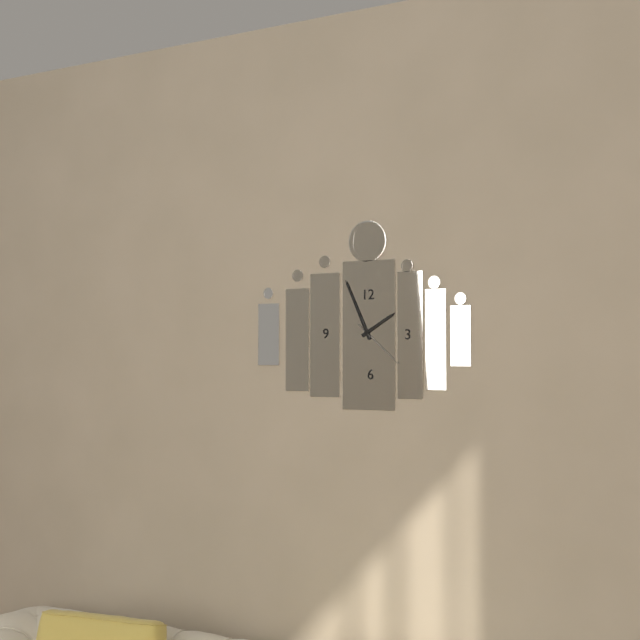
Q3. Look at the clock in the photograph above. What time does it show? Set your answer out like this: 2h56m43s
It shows 1h56m22s
